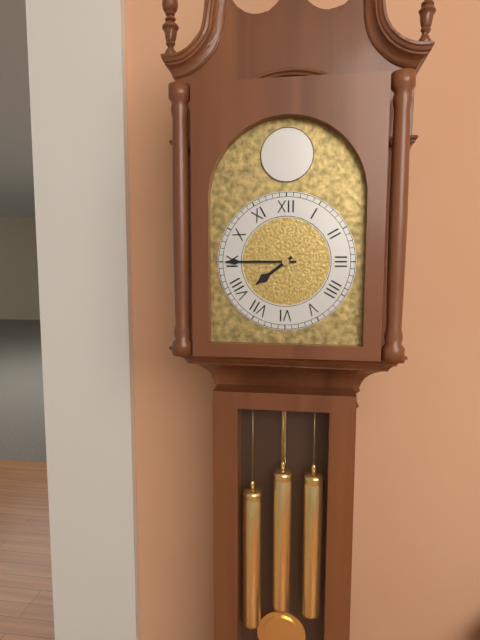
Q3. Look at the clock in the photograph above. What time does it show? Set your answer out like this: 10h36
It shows 7h45
